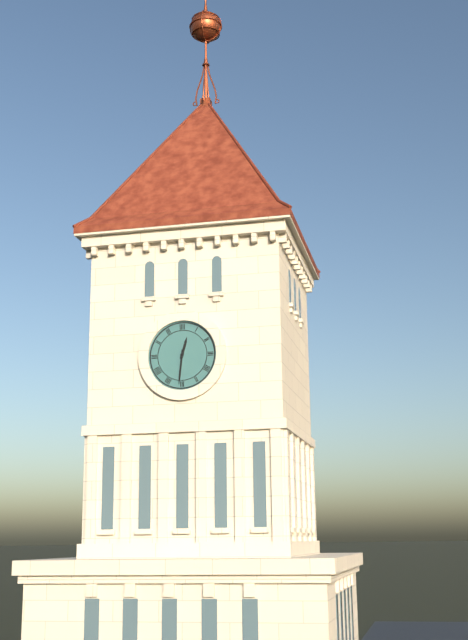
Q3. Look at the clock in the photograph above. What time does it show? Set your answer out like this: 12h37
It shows 12h31
